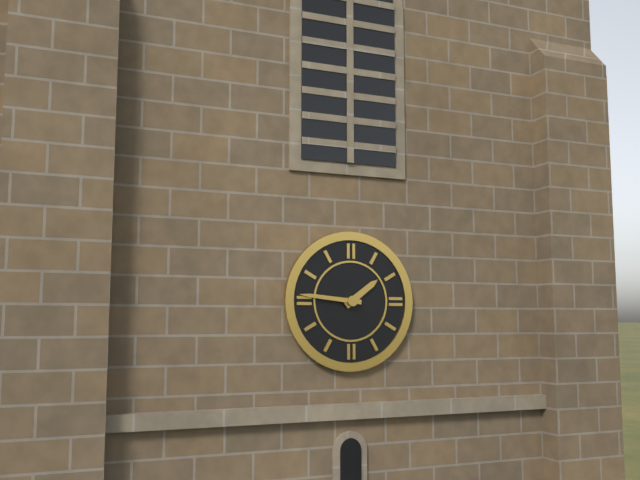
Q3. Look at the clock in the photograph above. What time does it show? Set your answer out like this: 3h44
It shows 1h46
